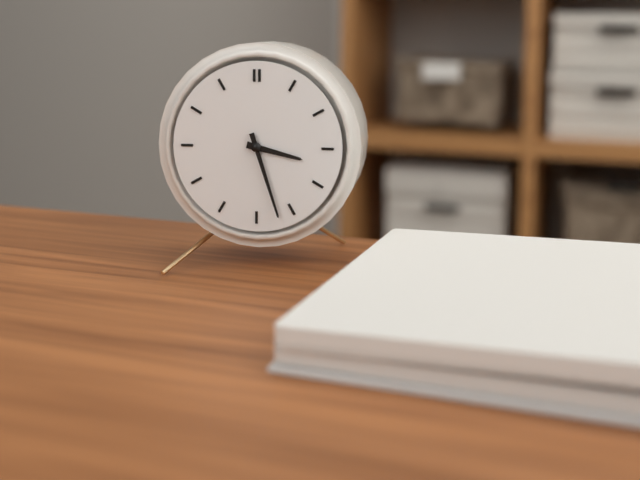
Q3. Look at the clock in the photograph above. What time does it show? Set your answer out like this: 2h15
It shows 3h27
